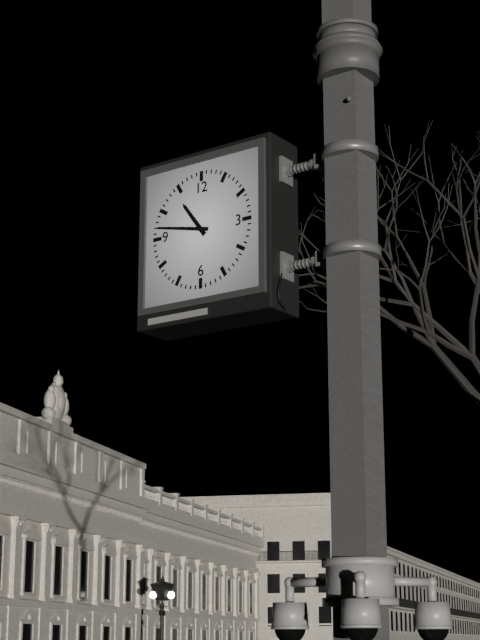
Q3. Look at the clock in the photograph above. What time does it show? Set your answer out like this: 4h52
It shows 10h47
